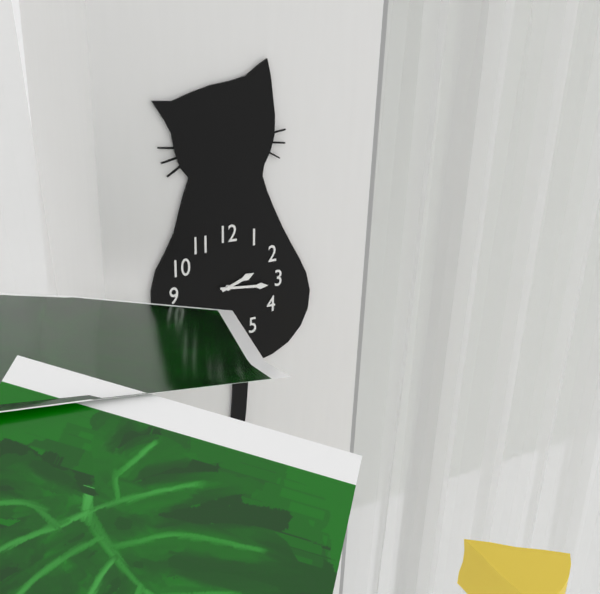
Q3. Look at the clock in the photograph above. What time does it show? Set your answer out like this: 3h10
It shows 2h16
